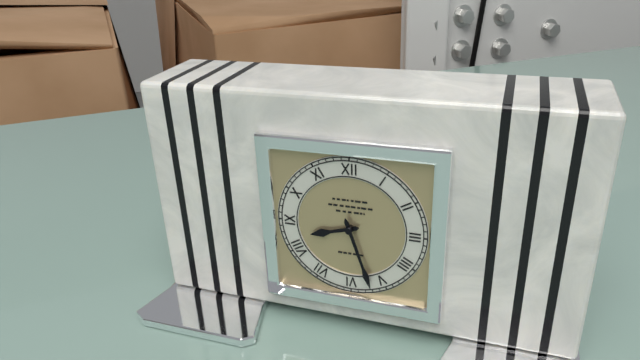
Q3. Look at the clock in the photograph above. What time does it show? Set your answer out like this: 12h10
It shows 8h27
